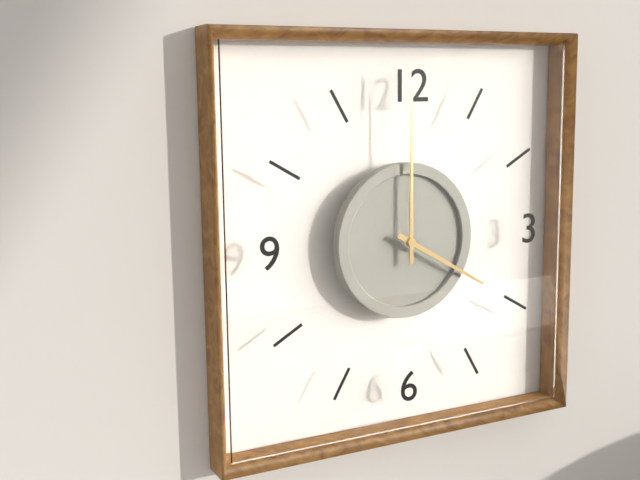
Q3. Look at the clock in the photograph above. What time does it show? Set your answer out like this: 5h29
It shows 4h00
